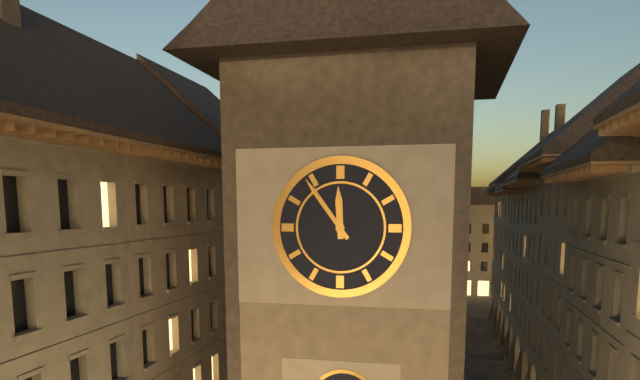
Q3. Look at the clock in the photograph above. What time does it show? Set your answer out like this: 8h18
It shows 11h54
